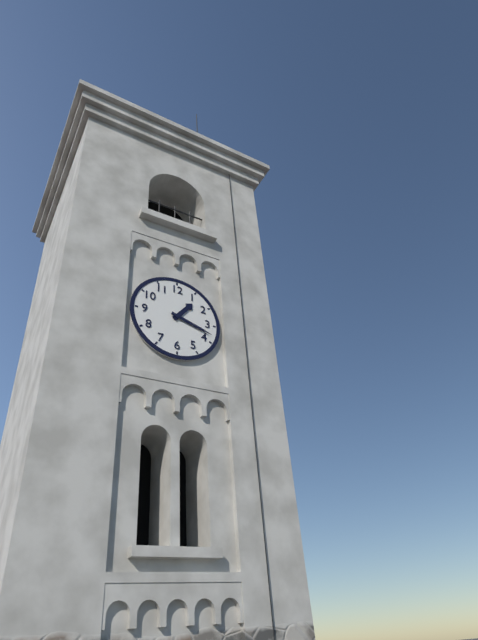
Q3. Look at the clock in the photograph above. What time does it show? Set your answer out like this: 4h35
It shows 1h18
